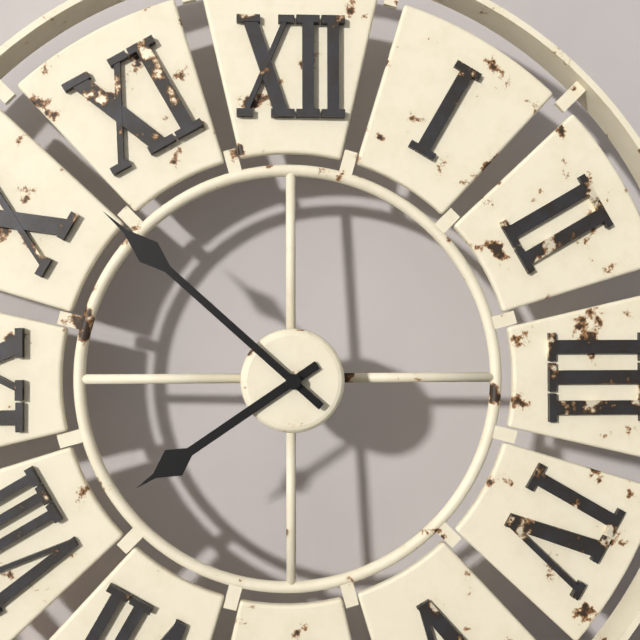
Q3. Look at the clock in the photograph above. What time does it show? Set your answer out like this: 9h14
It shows 7h52
